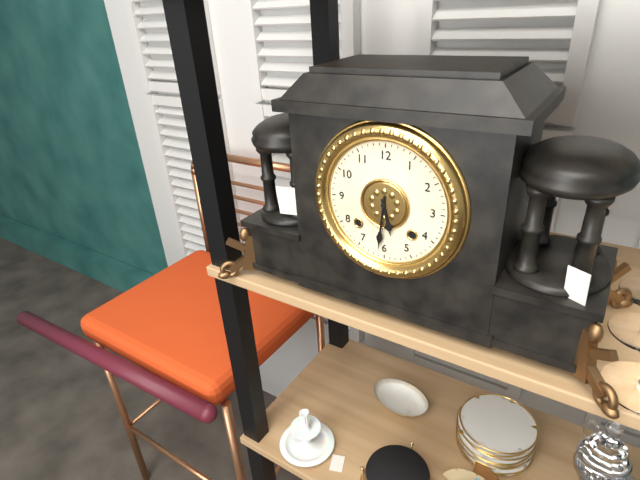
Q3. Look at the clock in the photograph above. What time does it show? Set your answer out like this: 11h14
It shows 5h31
